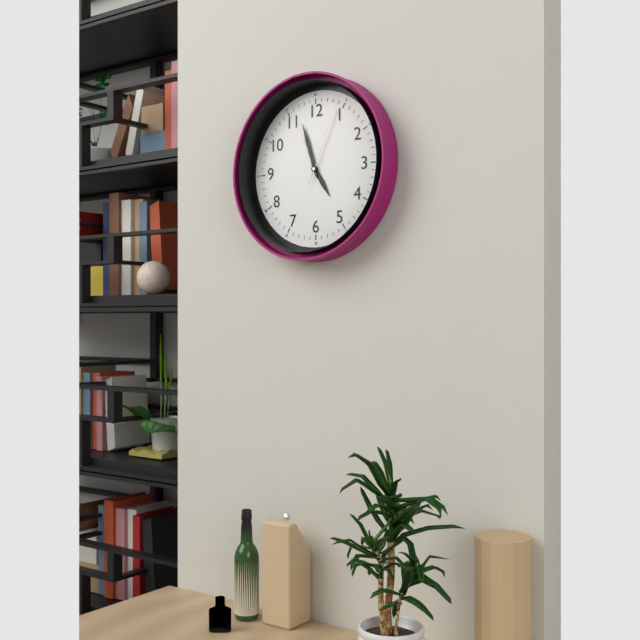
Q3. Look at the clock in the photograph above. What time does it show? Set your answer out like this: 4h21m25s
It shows 4h57m04s
